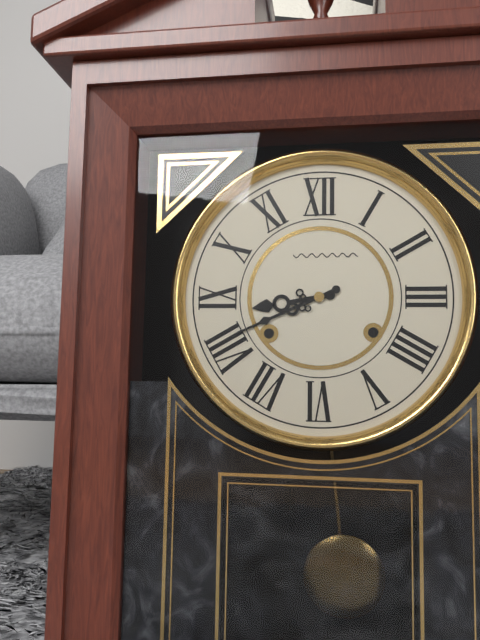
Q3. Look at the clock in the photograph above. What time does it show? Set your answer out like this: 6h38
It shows 8h41
